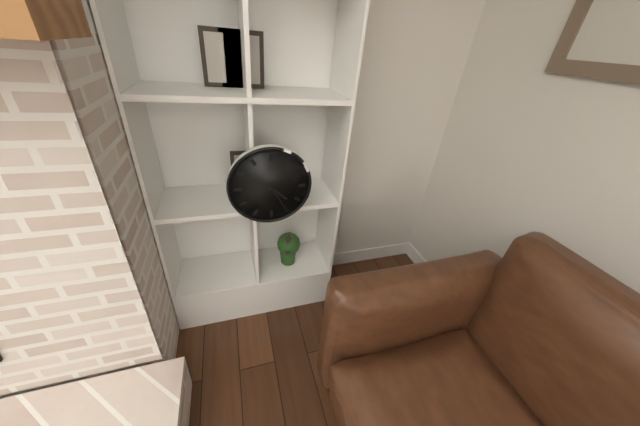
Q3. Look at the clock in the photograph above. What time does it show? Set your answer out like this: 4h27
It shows 4h25
